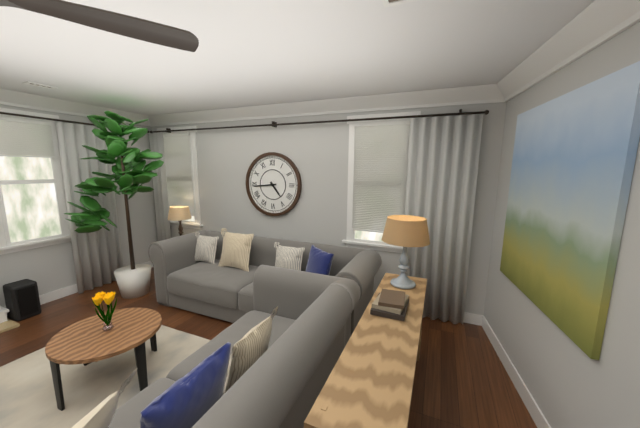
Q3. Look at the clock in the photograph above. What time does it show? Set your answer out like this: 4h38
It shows 4h44
